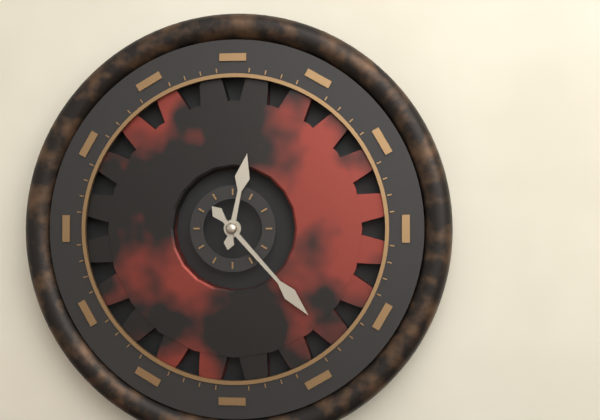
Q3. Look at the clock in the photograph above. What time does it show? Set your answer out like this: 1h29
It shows 12h23
